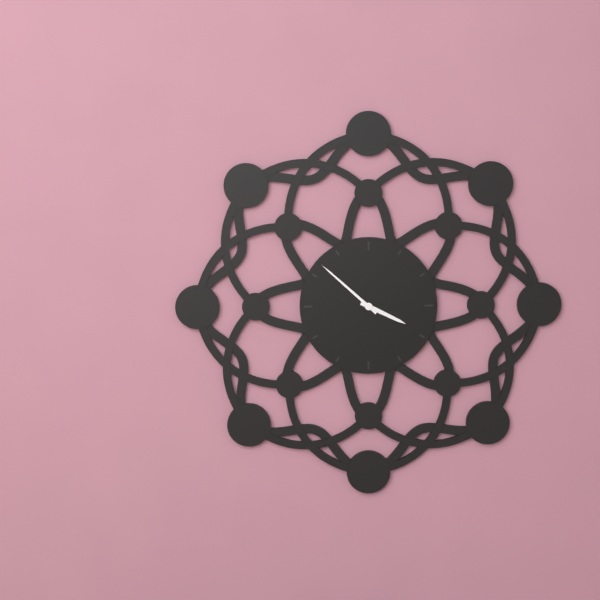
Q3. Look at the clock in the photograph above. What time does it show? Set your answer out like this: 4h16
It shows 3h52
